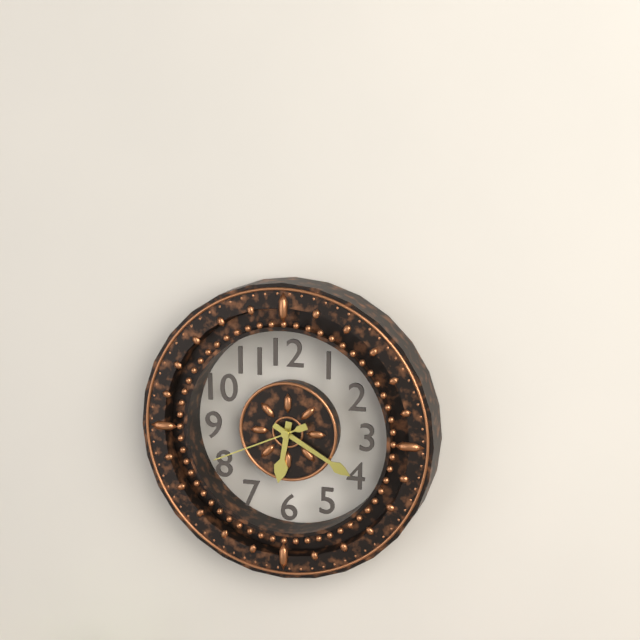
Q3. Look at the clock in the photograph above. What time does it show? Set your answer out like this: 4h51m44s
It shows 6h20m41s
